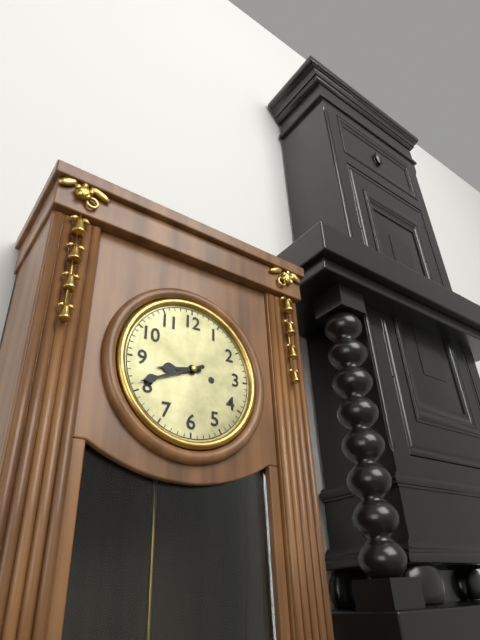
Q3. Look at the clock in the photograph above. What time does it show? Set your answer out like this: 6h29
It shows 8h41
